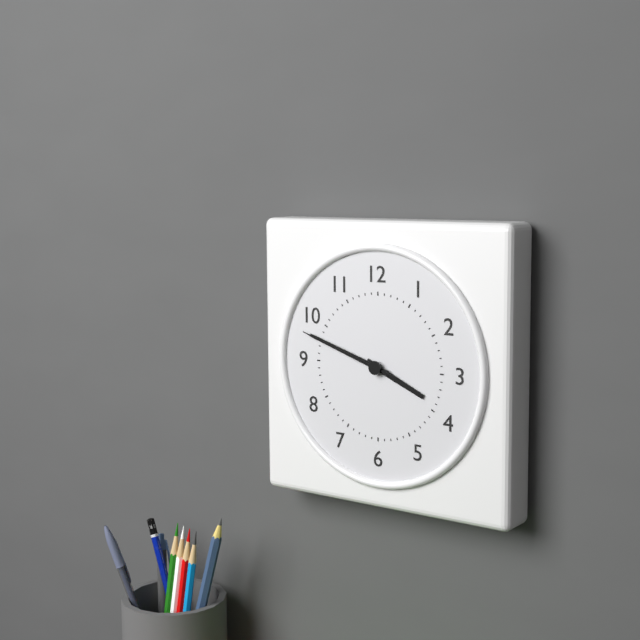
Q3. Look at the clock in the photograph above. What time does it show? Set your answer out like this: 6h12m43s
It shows 3h48m48s
